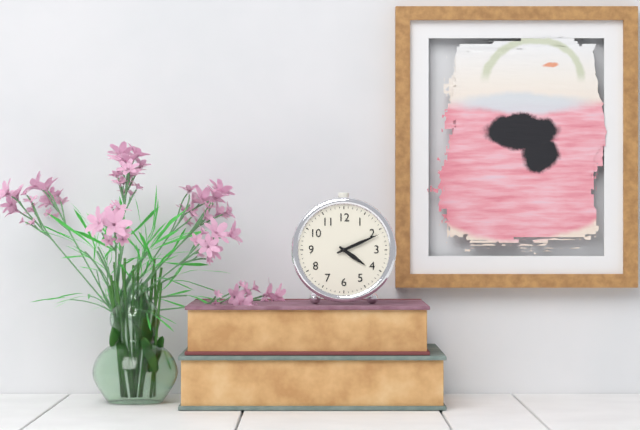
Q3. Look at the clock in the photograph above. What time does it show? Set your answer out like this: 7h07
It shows 4h11
